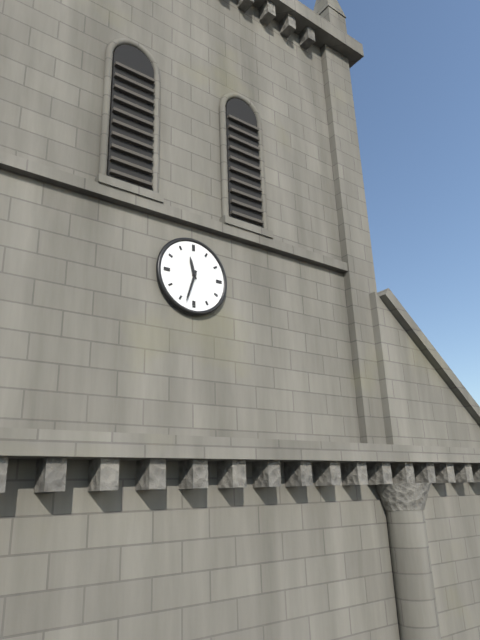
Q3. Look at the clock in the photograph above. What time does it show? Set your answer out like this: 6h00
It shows 11h33
